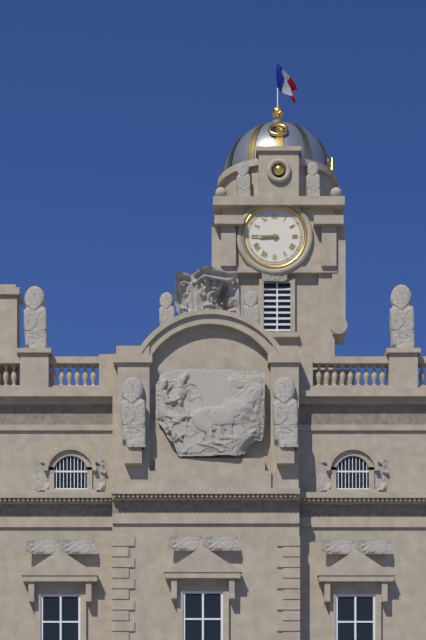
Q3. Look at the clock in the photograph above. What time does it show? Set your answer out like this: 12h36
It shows 8h45
